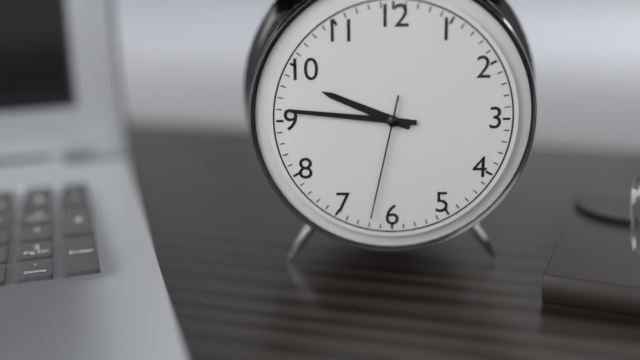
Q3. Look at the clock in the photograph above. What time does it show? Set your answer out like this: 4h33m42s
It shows 9h46m32s
